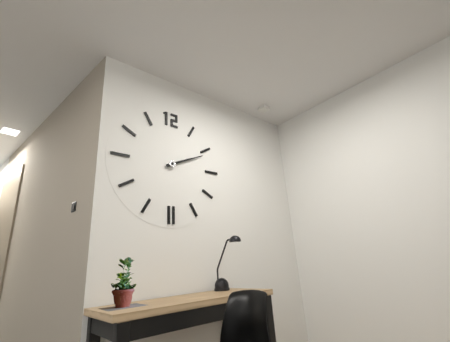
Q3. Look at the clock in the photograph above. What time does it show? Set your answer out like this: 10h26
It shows 2h11
